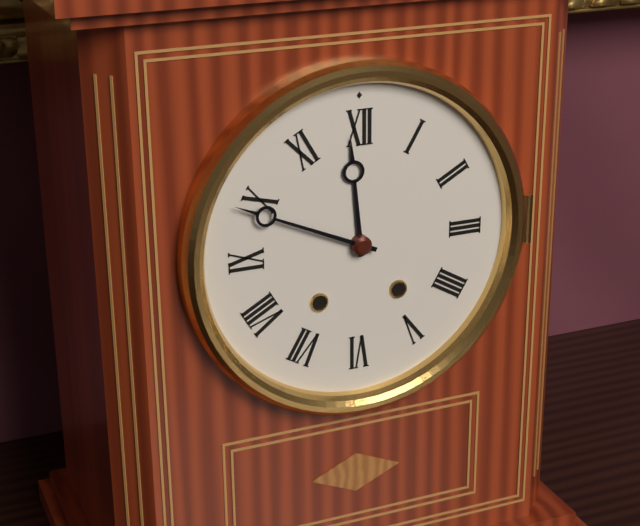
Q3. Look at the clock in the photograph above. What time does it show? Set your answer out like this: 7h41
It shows 11h49
